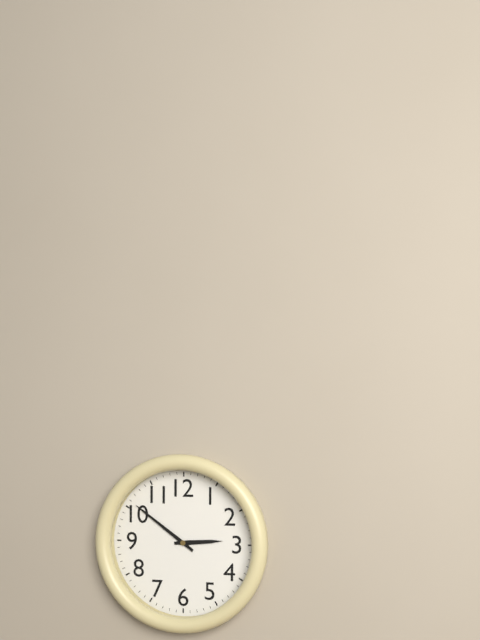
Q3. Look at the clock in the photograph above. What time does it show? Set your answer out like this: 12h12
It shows 2h51
